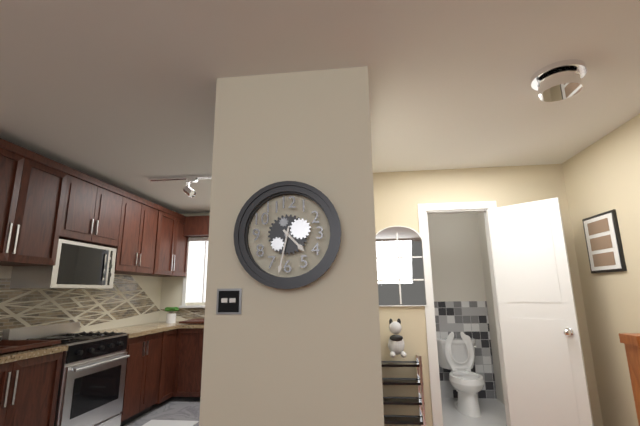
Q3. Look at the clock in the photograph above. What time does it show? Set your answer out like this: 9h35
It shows 4h32
